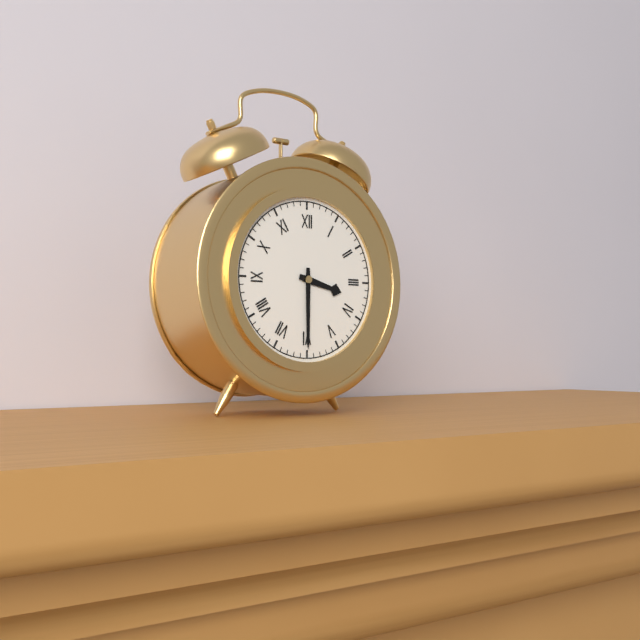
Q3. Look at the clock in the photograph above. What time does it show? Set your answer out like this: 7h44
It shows 3h30
